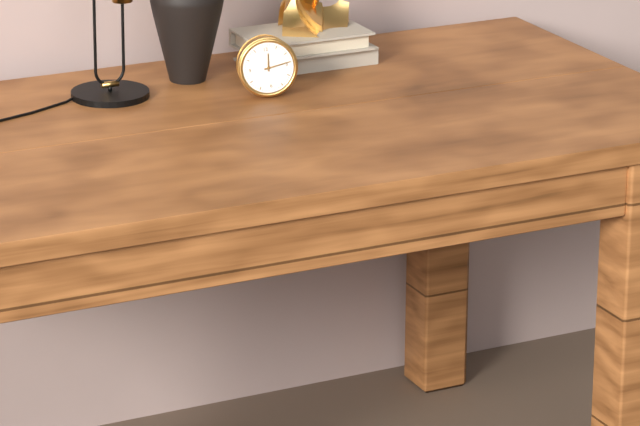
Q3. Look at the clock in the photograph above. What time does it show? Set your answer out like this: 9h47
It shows 12h14
